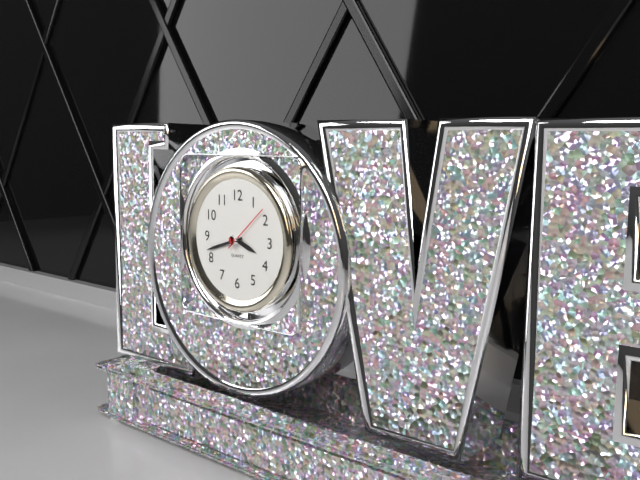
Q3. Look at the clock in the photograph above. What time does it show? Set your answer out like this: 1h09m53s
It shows 3h42m08s
